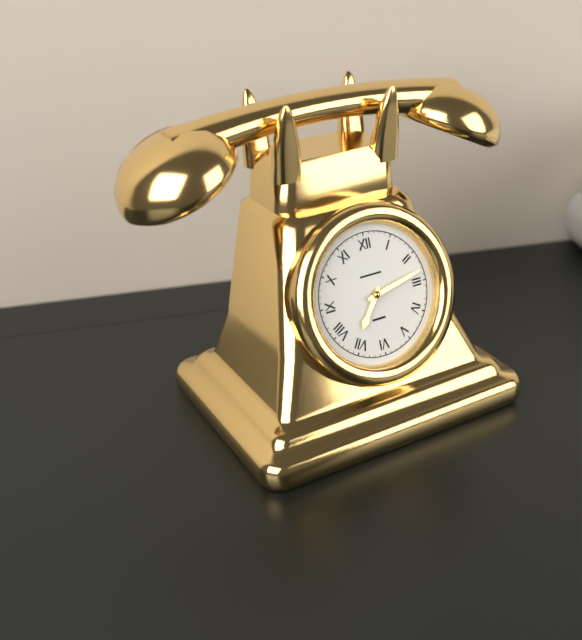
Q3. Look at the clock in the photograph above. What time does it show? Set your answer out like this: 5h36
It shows 7h13
